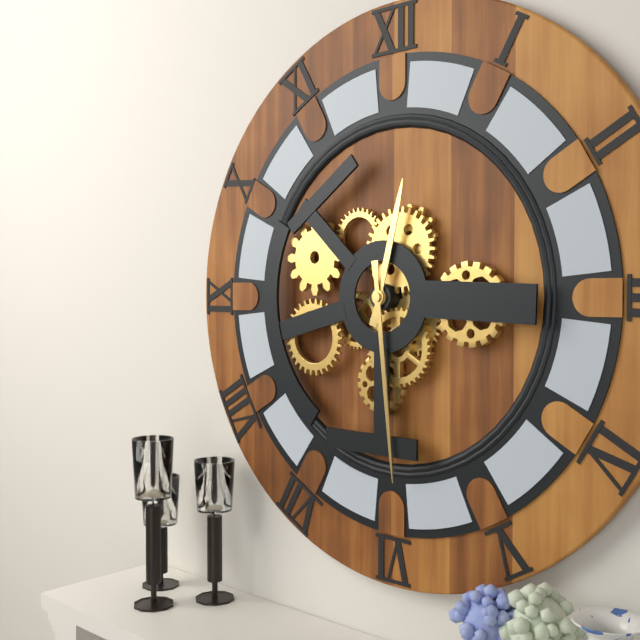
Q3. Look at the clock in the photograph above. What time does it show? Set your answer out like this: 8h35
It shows 12h29
